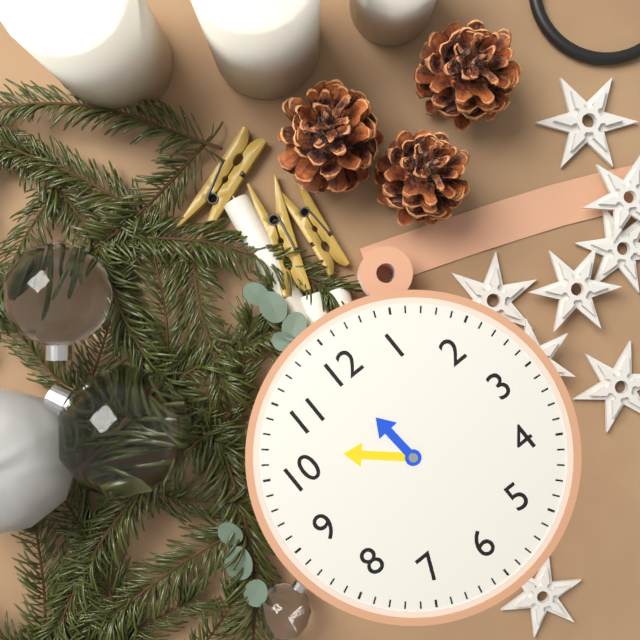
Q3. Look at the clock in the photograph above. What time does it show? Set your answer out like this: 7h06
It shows 11h52
